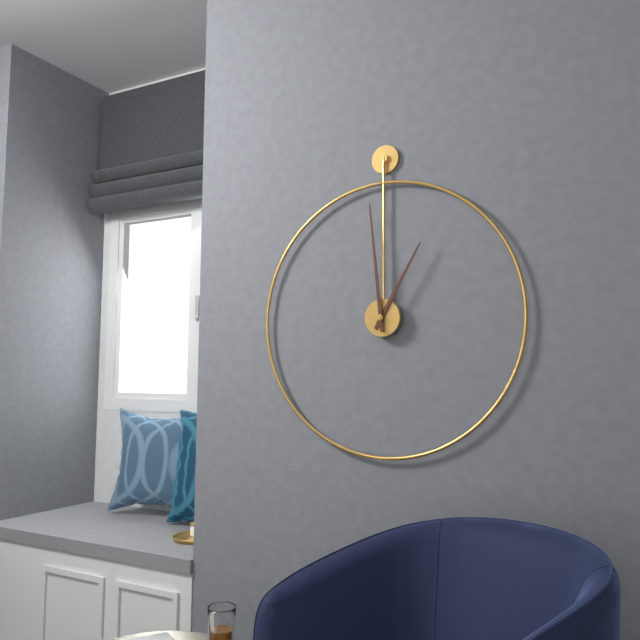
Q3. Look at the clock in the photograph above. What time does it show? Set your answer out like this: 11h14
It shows 12h59
